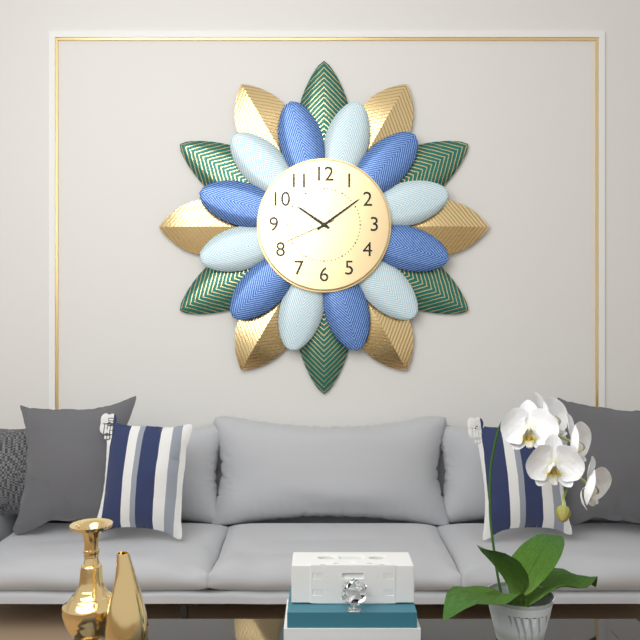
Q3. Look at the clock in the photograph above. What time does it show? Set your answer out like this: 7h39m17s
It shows 10h09m41s
